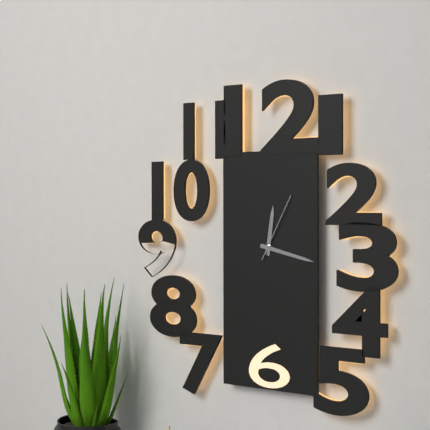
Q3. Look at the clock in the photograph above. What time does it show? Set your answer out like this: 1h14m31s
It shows 12h17m05s
